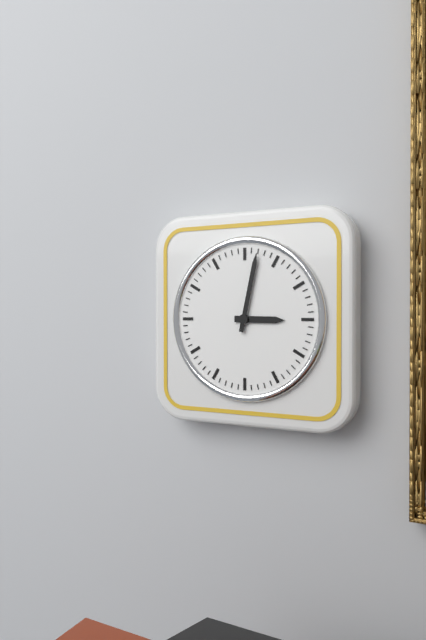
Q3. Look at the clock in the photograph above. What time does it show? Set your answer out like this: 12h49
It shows 3h02
